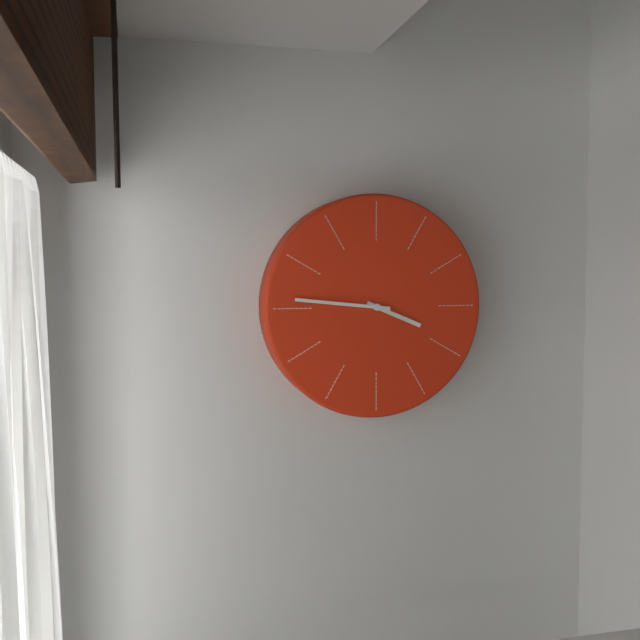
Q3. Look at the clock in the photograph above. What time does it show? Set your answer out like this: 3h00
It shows 3h46
